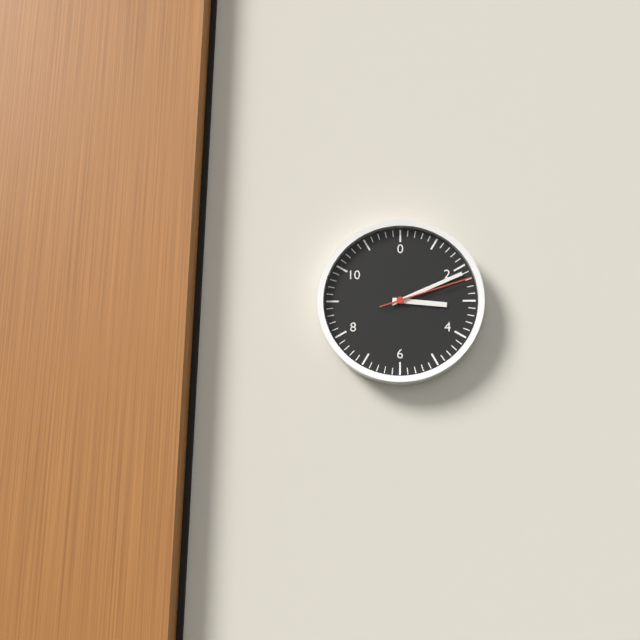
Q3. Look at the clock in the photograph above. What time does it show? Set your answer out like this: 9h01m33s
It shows 3h11m12s
